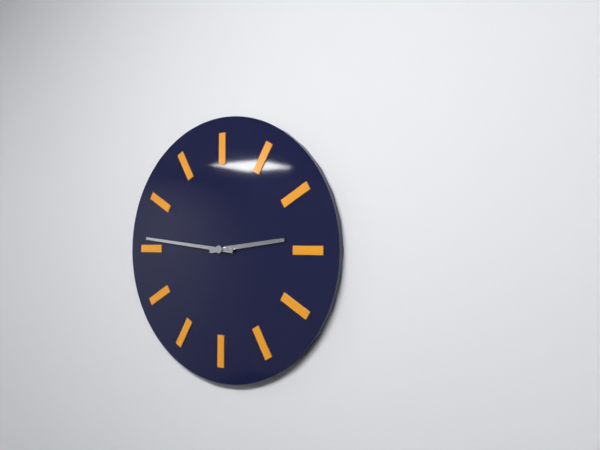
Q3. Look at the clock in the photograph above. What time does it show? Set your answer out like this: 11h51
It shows 2h46
